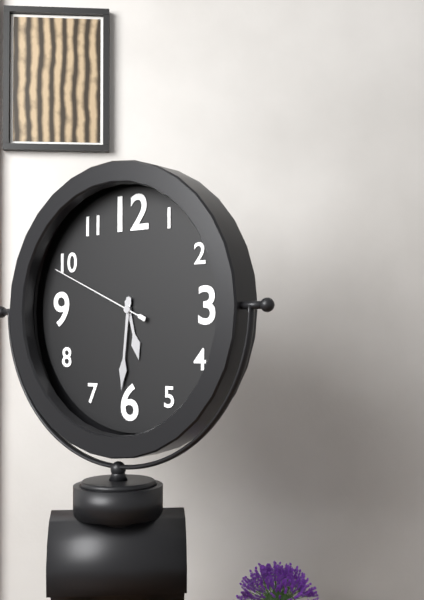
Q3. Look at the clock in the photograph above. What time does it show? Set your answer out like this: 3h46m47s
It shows 5h31m49s
